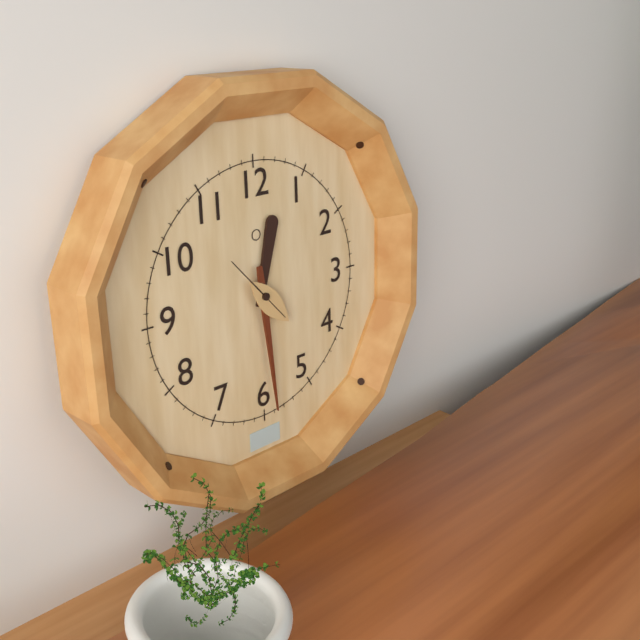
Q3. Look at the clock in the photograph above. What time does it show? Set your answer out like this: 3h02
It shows 12h29
